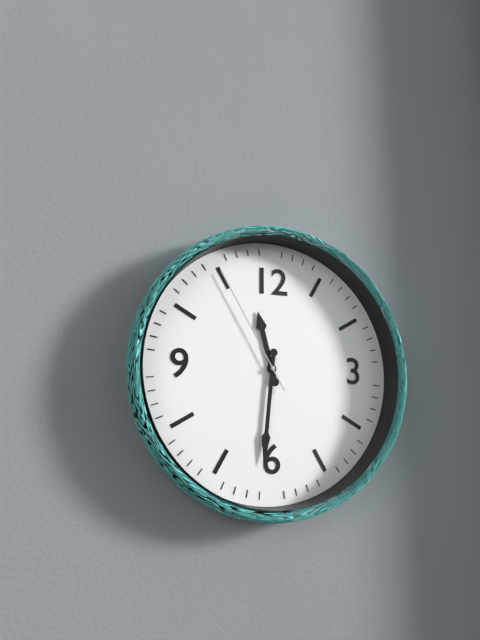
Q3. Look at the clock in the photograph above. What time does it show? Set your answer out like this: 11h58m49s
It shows 11h31m55s
